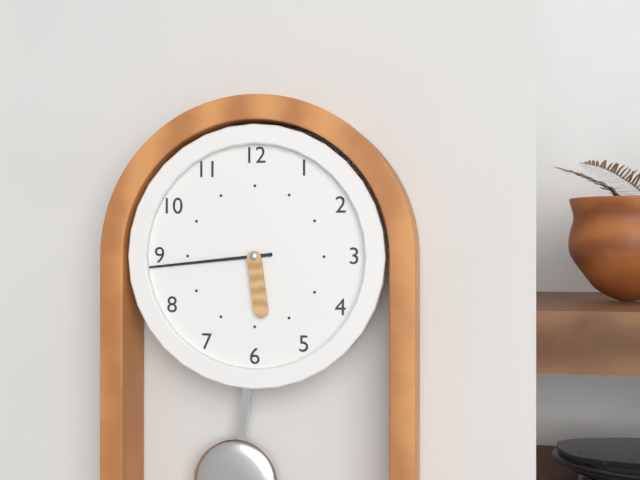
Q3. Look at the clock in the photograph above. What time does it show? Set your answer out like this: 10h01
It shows 5h44
